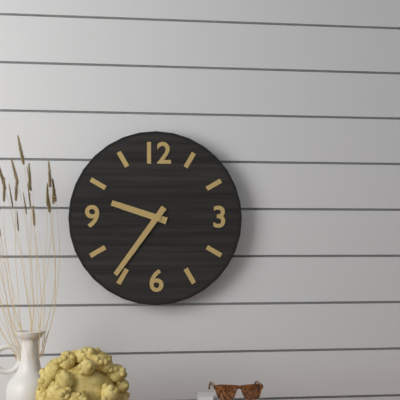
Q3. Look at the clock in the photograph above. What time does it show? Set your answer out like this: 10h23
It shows 9h36
